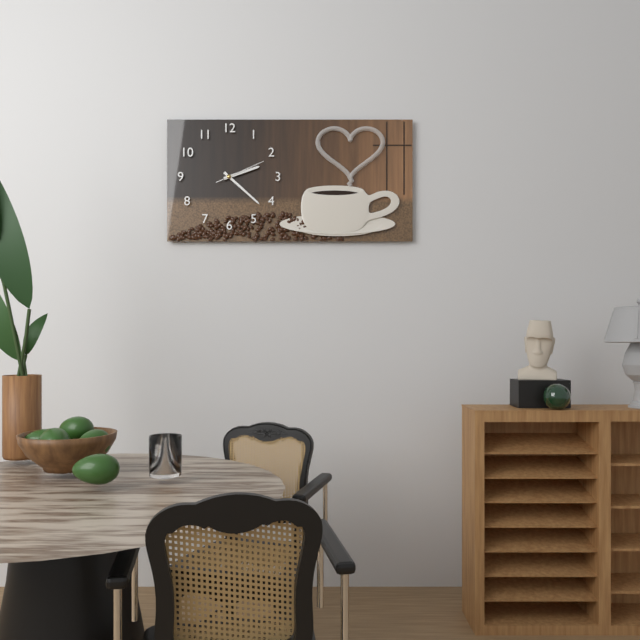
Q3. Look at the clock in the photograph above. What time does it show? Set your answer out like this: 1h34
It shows 2h22
